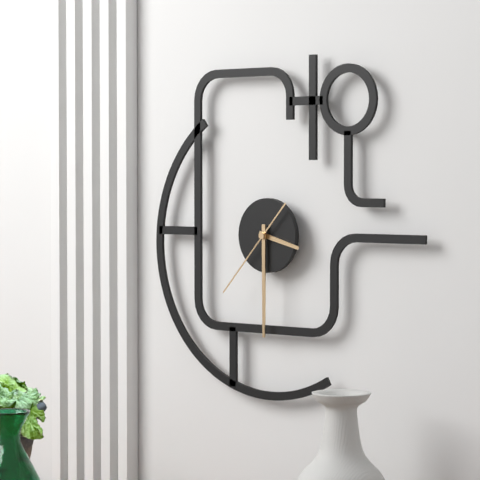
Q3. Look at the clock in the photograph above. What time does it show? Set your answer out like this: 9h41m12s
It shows 3h30m37s
